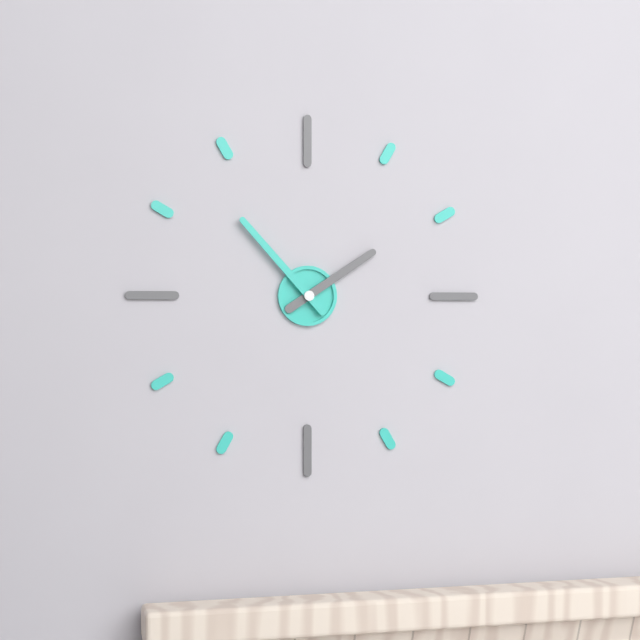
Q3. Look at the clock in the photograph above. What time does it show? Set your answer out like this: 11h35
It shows 1h53
